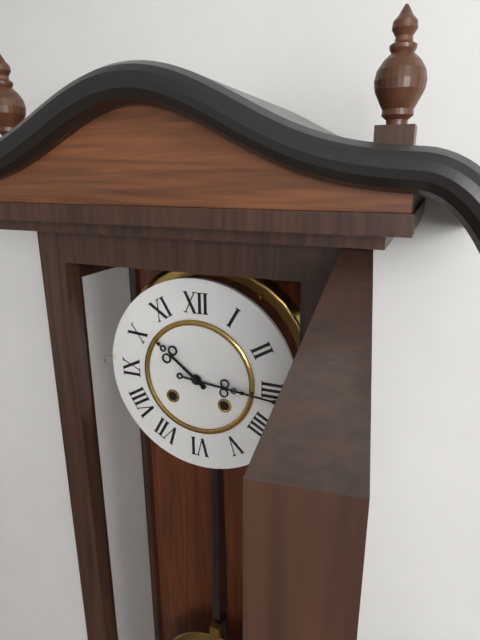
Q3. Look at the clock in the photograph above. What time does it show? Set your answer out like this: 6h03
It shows 10h16
